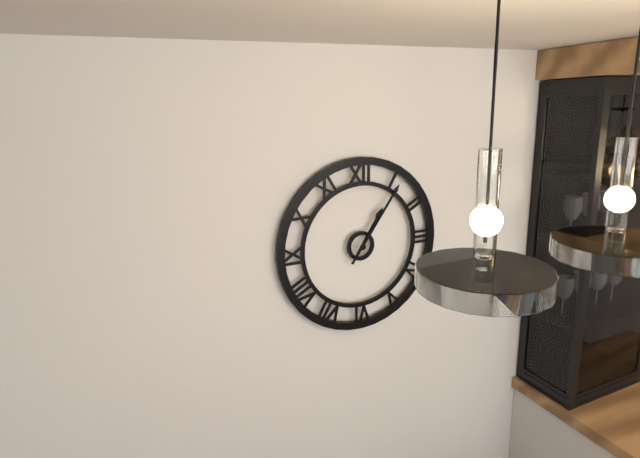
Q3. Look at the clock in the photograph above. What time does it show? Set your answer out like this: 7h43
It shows 1h06
